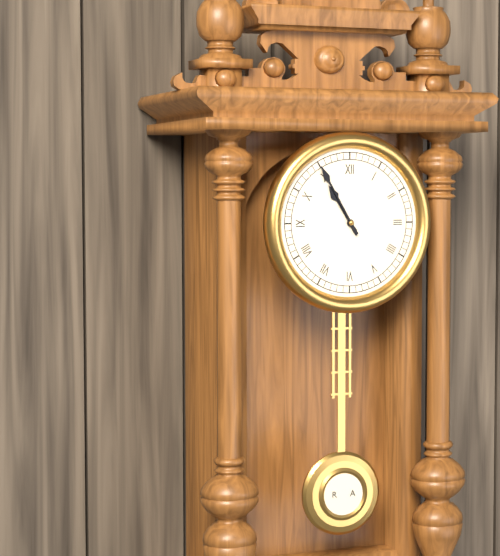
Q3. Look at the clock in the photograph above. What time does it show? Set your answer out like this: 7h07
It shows 10h55
